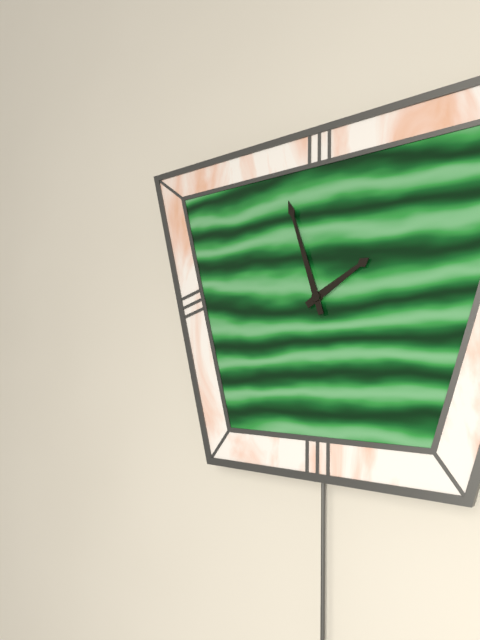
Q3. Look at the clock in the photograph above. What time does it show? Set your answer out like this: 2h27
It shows 1h57
